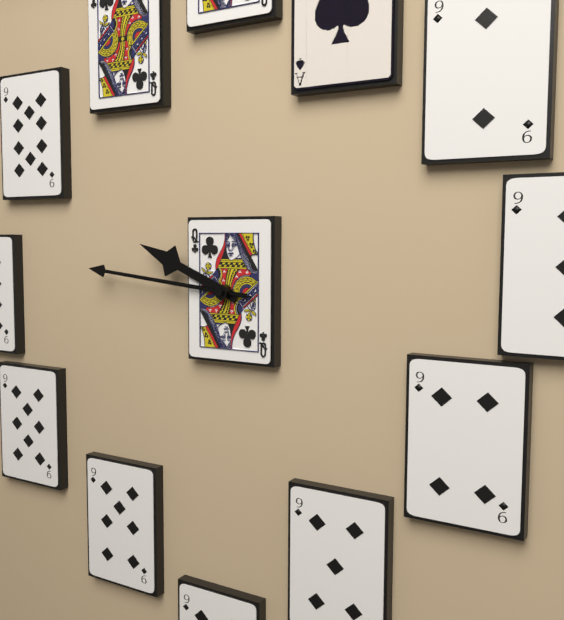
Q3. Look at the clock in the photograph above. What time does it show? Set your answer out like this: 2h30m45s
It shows 9h46m46s
